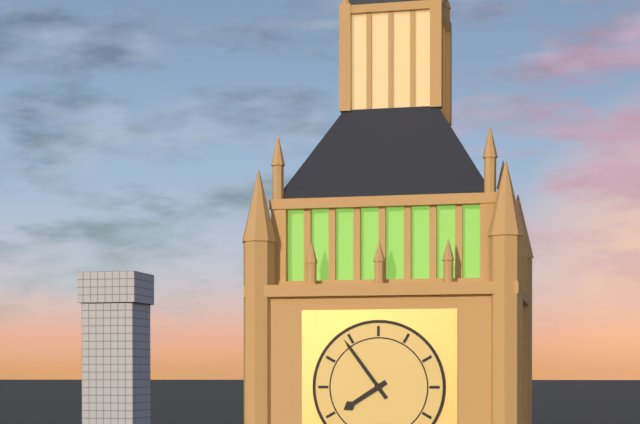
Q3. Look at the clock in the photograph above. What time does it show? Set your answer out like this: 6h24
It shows 7h54
